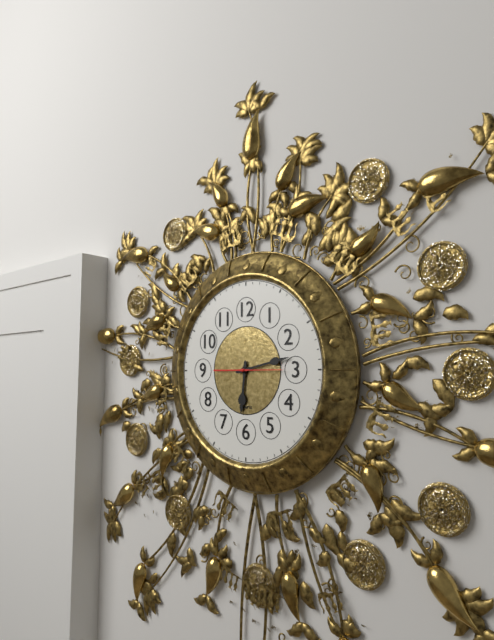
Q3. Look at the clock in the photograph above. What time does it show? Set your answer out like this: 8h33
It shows 6h13
